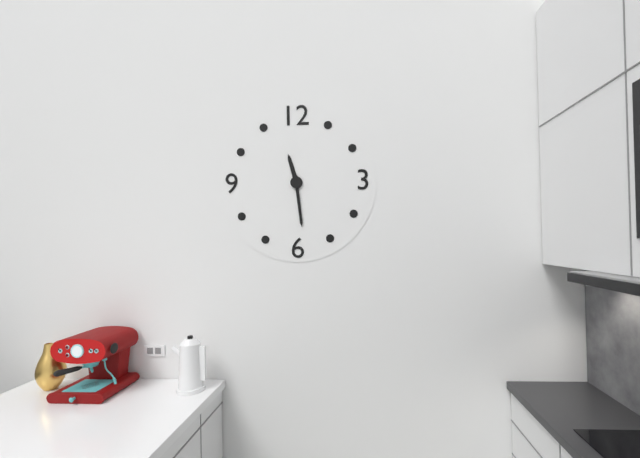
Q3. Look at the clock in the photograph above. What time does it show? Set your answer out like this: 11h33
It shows 11h29
